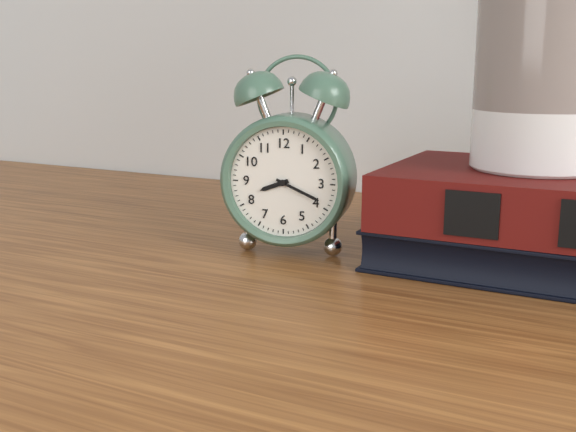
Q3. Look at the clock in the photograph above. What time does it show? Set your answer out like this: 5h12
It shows 8h19
